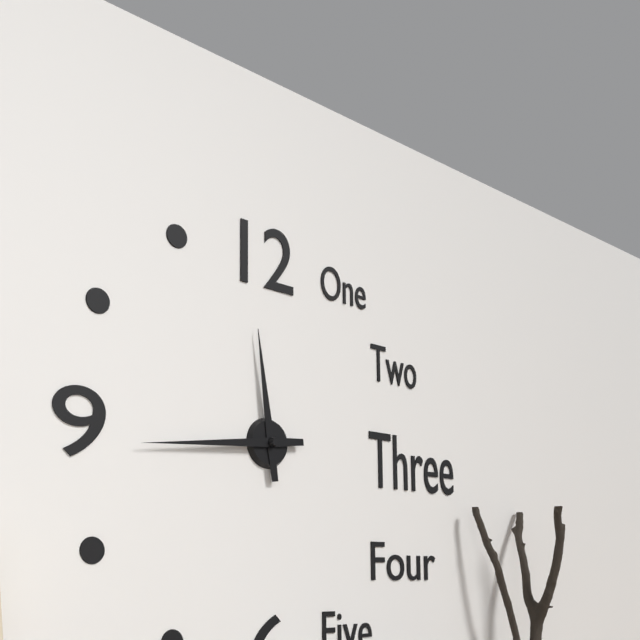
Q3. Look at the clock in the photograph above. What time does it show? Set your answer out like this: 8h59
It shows 11h44
